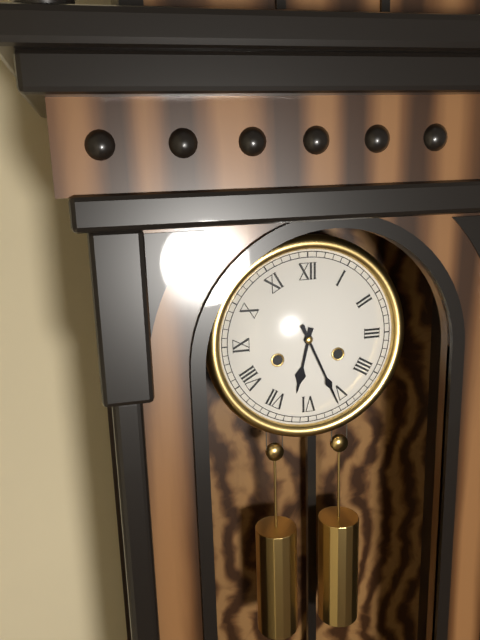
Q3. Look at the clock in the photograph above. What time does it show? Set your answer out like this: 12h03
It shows 6h26
